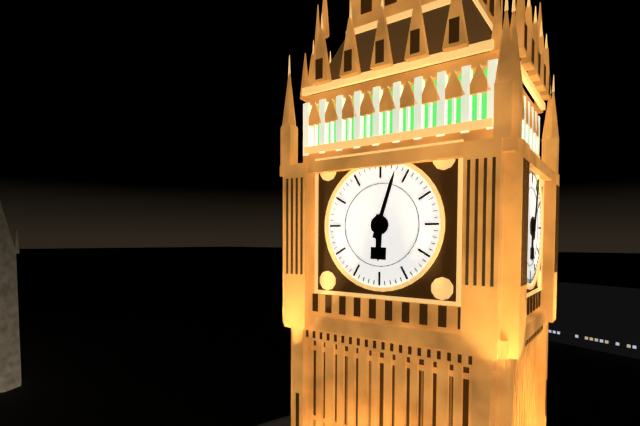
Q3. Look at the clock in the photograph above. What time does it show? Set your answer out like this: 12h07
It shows 6h03
